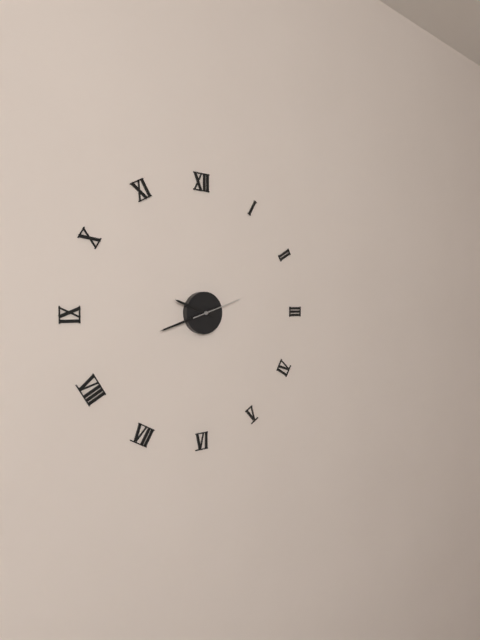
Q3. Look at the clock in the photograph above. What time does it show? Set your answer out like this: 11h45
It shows 9h42
